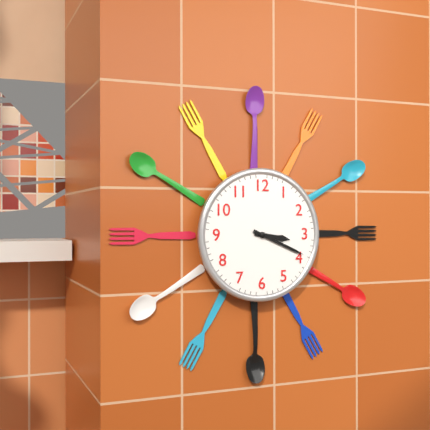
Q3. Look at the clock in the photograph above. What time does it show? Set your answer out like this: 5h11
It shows 3h19
